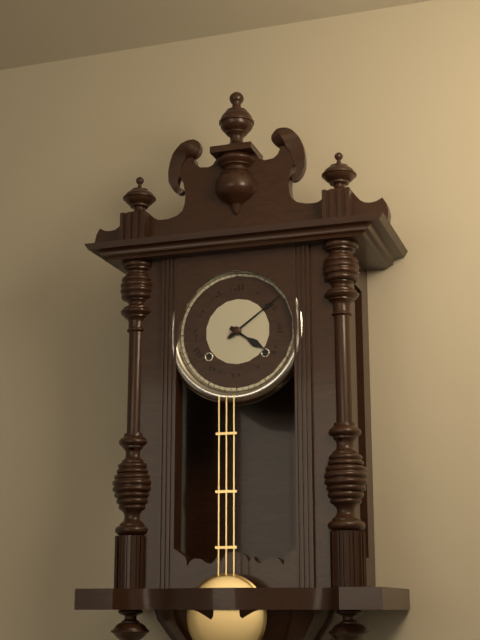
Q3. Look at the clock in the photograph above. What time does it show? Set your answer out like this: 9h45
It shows 4h09
